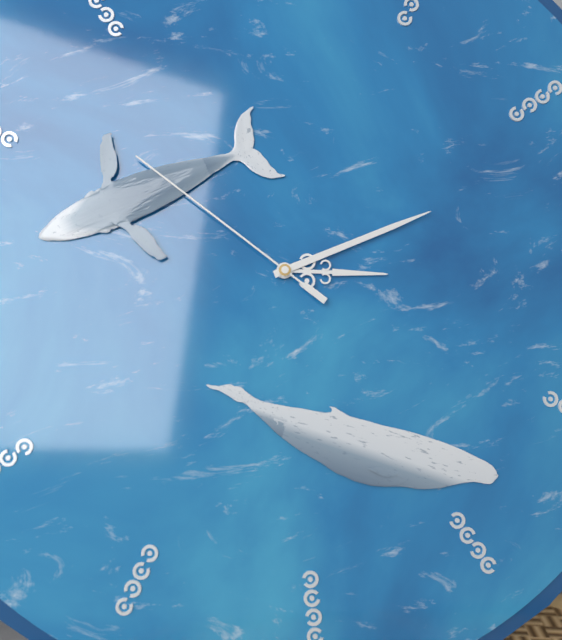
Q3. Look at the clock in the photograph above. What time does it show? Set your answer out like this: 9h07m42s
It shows 3h12m52s
